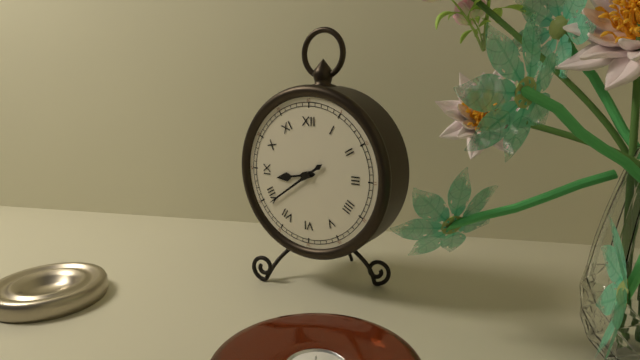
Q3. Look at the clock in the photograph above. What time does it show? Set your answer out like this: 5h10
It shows 8h39
